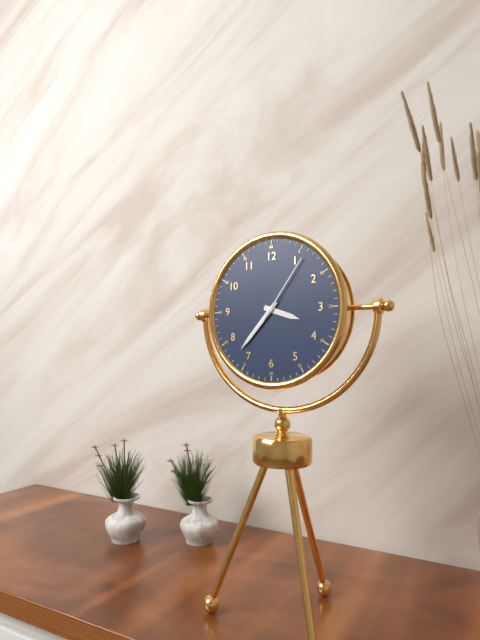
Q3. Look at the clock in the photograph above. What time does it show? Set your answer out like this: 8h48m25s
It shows 3h37m06s
